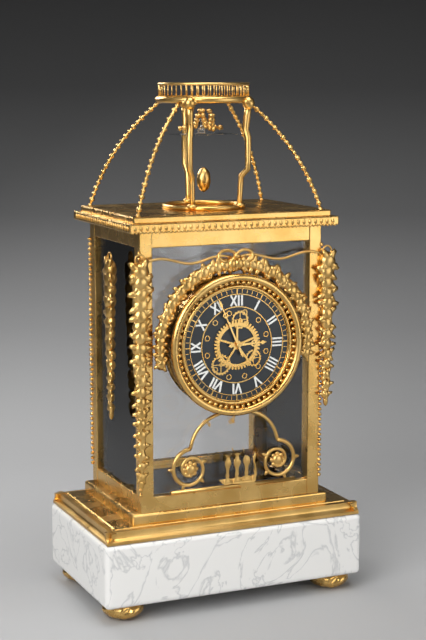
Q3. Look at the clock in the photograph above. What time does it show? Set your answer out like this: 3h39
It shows 2h56
